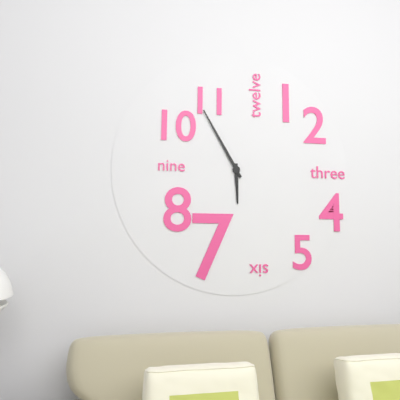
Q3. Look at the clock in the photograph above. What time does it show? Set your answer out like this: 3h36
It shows 5h55
